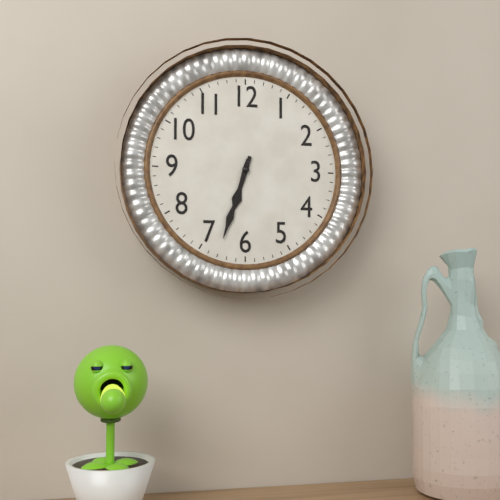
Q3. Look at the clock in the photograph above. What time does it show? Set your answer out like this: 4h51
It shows 6h33
